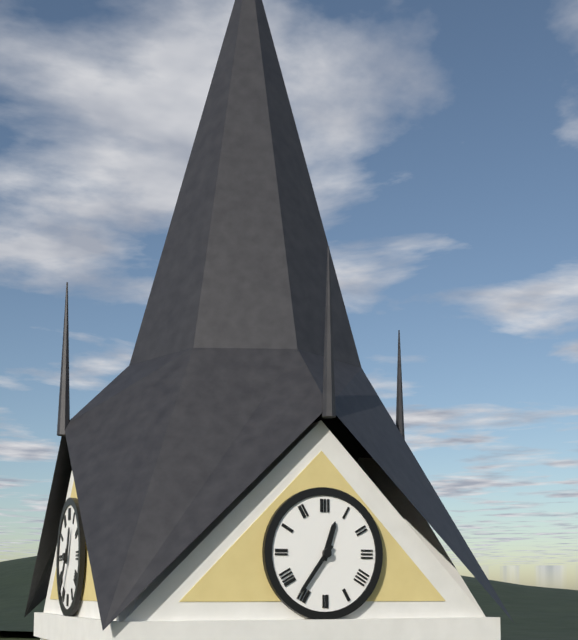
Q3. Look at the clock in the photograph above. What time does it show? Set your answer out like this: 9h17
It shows 12h36
